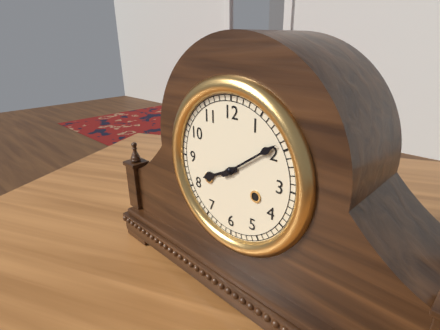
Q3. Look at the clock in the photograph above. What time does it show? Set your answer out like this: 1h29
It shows 8h09
